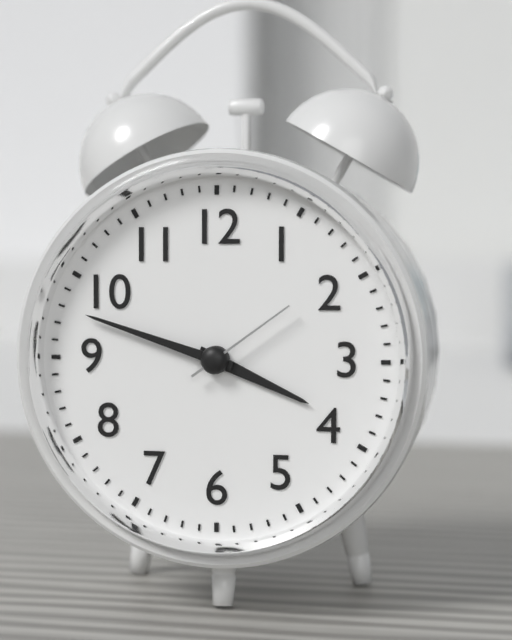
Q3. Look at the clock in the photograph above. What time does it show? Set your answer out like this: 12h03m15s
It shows 3h48m09s
